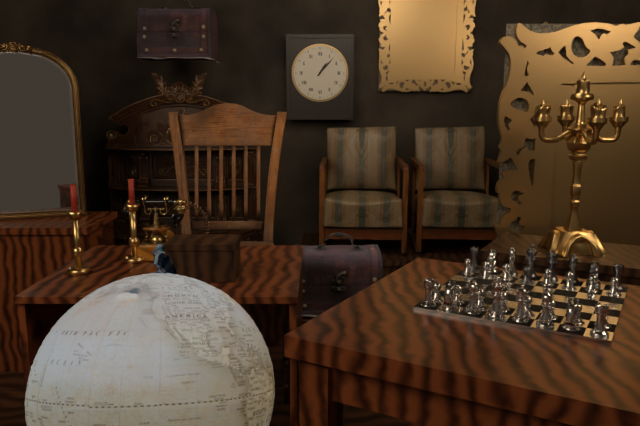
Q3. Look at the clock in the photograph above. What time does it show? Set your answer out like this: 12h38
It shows 1h07
